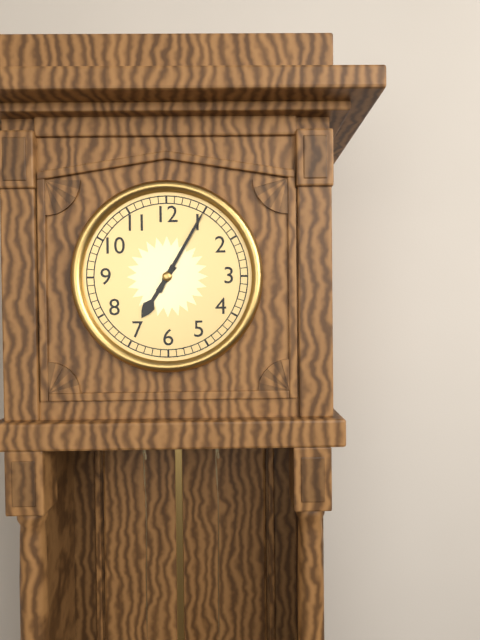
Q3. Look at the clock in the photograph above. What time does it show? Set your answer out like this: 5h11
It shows 7h05
